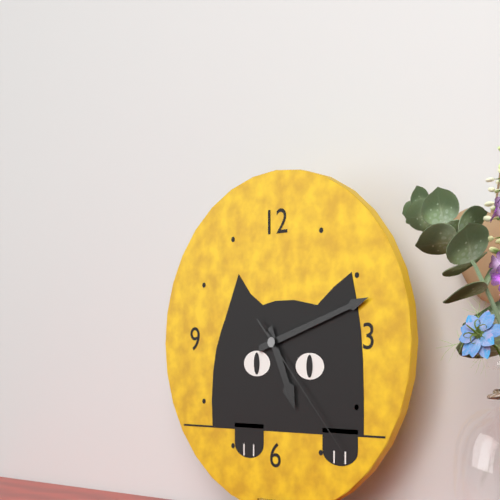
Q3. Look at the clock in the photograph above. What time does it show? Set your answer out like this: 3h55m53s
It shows 5h12m23s
